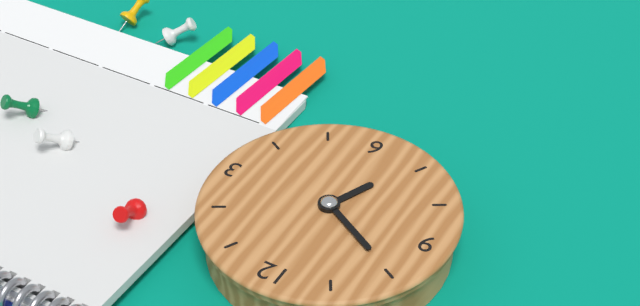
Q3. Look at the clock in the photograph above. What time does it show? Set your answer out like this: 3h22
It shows 6h50
